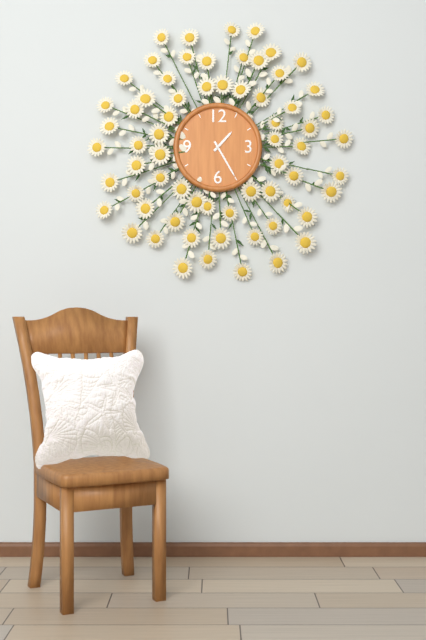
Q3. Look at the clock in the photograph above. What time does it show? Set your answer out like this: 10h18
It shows 1h25
